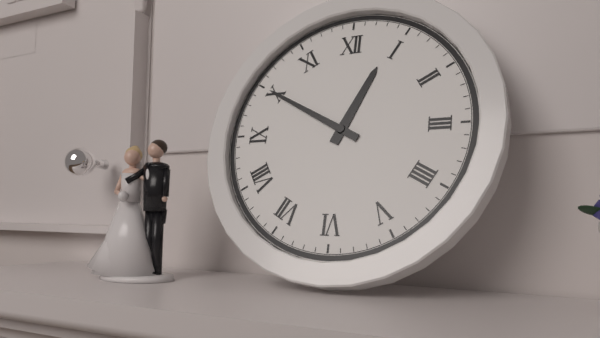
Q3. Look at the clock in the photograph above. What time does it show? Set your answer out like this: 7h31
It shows 12h50
